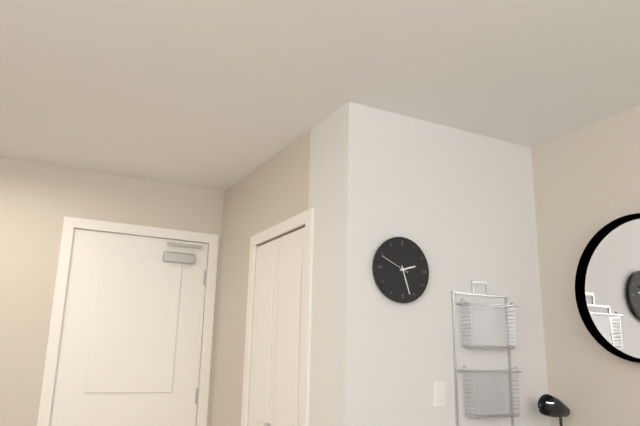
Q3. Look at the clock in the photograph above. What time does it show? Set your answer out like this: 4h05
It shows 2h27
